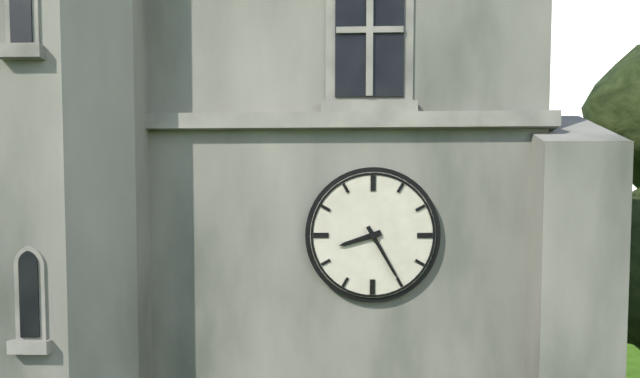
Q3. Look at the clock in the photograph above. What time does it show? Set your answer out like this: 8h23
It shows 8h25
